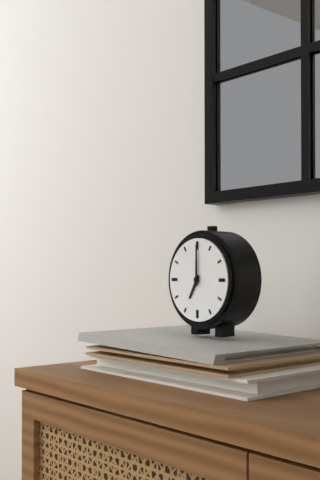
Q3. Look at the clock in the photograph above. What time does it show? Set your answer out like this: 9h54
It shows 7h00
